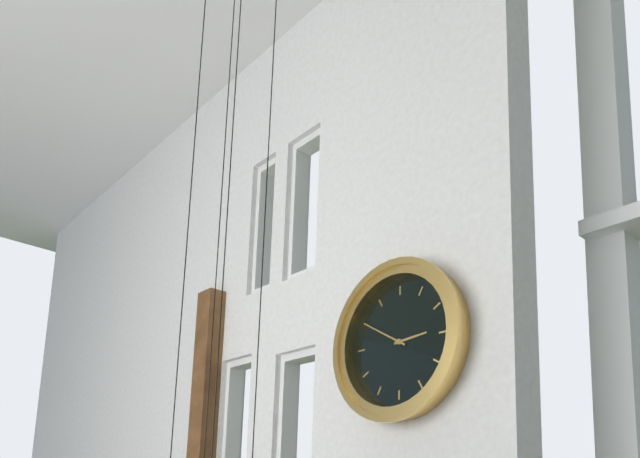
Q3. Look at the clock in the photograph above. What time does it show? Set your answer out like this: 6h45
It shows 2h50
